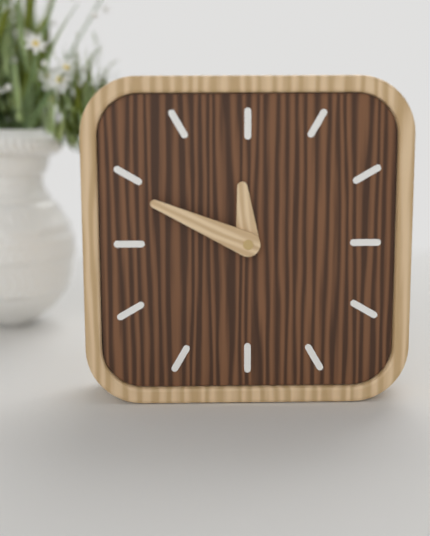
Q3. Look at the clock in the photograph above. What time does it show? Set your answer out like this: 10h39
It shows 11h49
